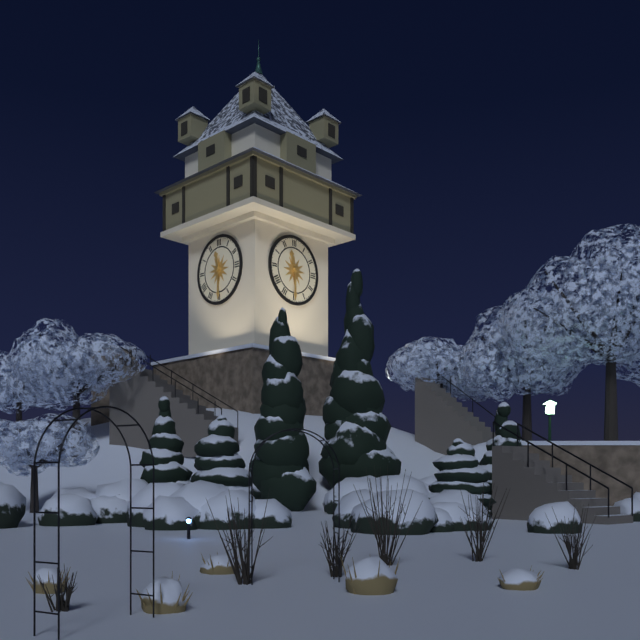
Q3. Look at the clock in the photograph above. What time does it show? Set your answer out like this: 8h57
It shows 11h30
